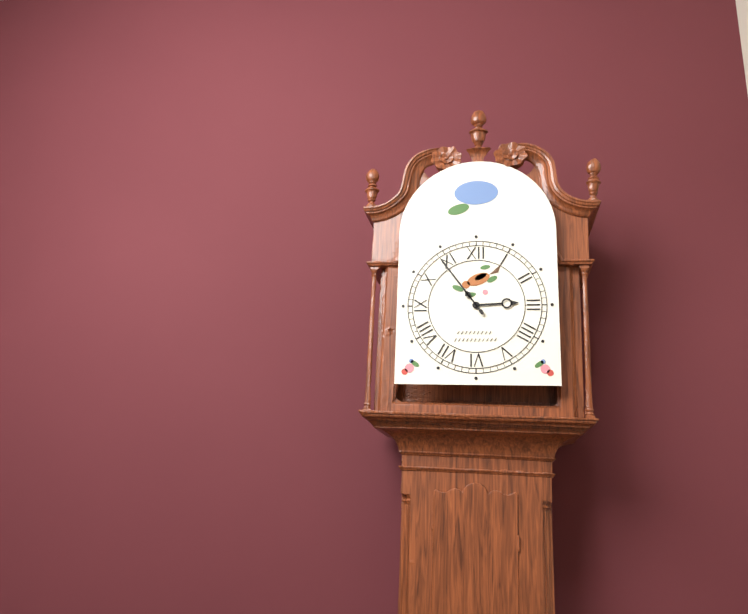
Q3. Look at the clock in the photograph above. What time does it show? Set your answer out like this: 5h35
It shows 2h54
